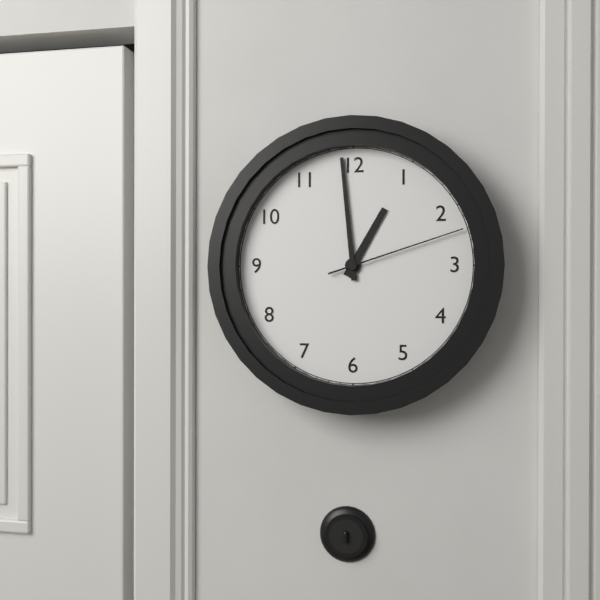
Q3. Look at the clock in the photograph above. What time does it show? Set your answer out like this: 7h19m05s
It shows 12h59m12s
